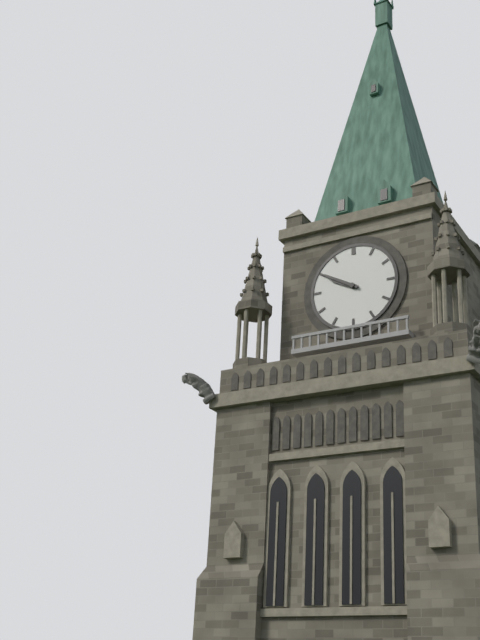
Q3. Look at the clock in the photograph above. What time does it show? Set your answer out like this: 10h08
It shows 9h50
